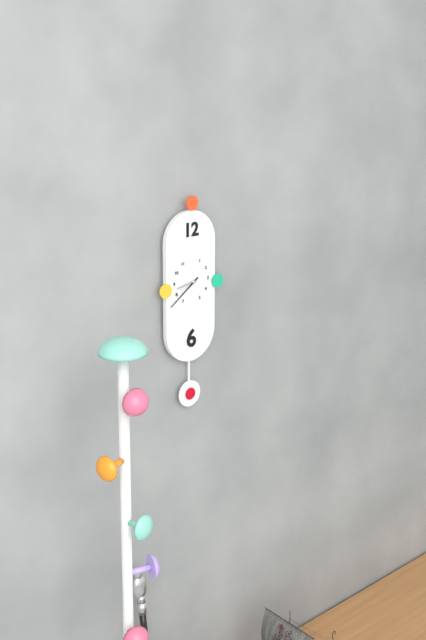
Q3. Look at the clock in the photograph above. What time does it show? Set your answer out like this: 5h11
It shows 8h39
